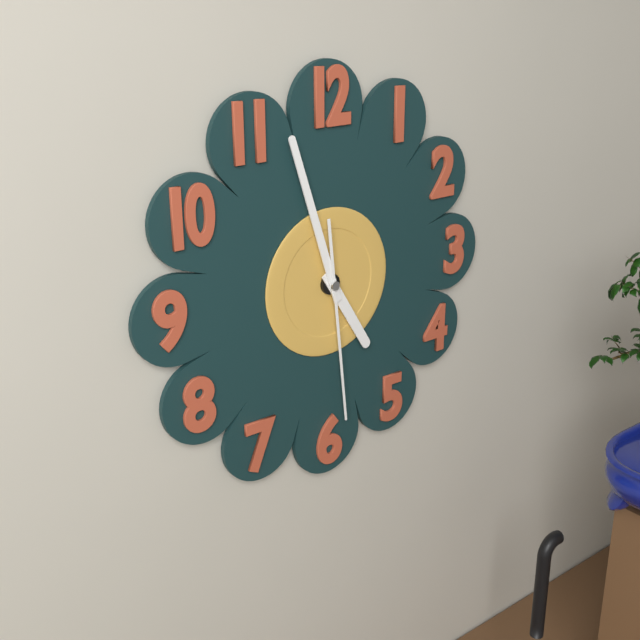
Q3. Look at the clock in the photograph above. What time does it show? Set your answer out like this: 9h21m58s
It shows 4h57m29s
